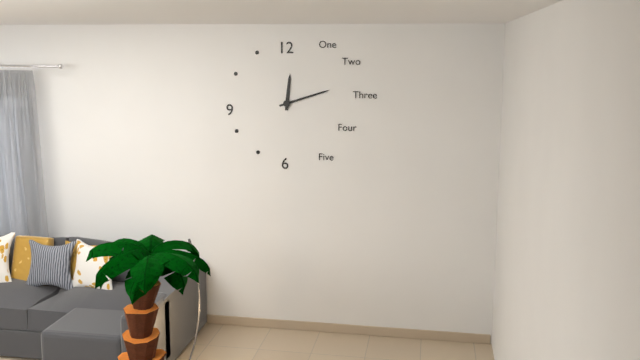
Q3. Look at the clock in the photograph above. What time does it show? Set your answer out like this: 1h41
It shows 12h12
